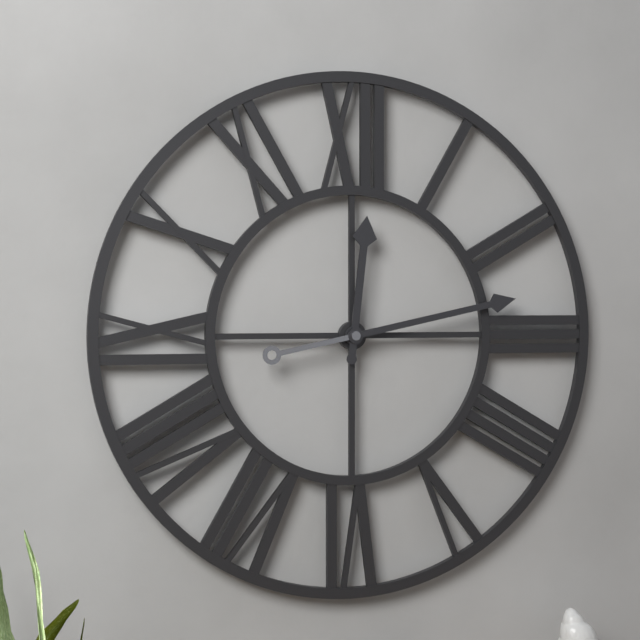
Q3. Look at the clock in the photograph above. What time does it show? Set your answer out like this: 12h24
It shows 12h13
